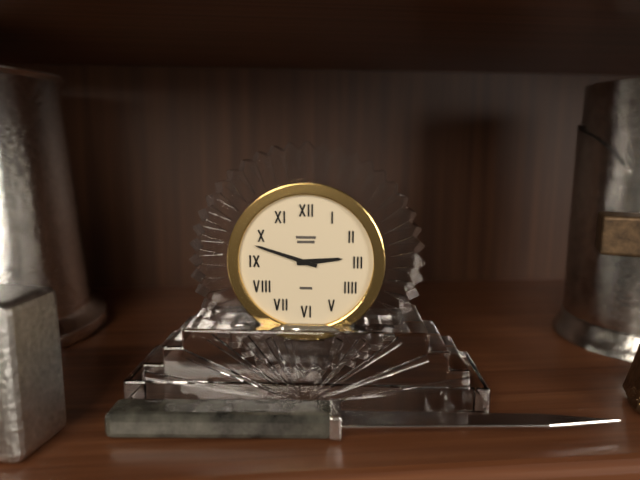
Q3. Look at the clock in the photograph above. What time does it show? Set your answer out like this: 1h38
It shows 2h48
